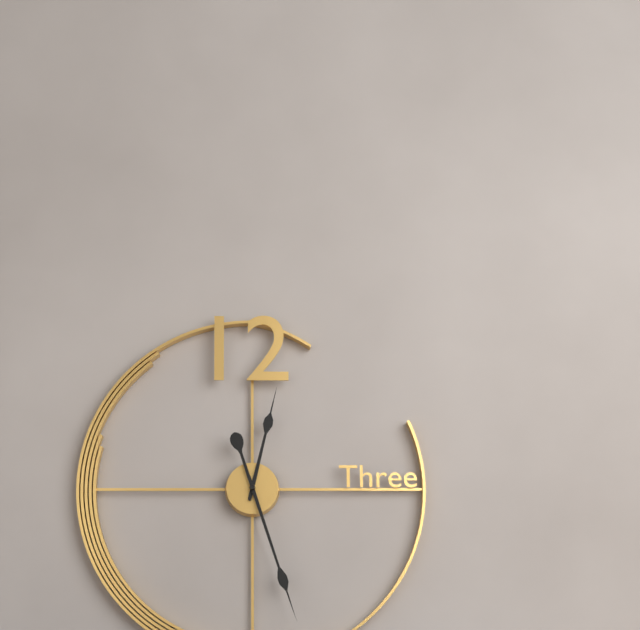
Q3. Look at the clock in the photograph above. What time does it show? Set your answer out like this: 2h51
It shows 12h27
